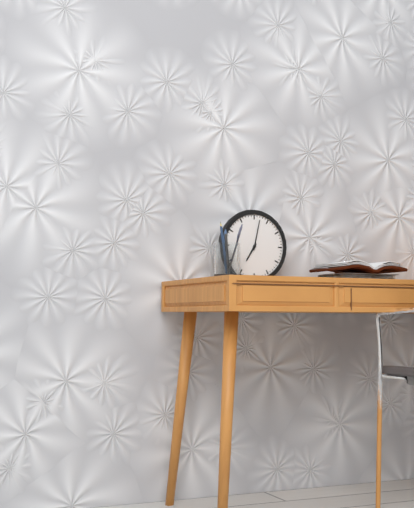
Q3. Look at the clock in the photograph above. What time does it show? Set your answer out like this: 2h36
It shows 7h02
